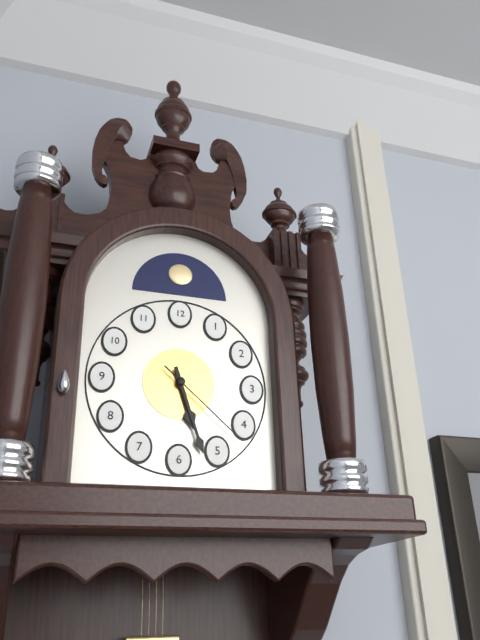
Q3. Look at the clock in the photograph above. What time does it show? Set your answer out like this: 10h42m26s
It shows 5h27m22s
